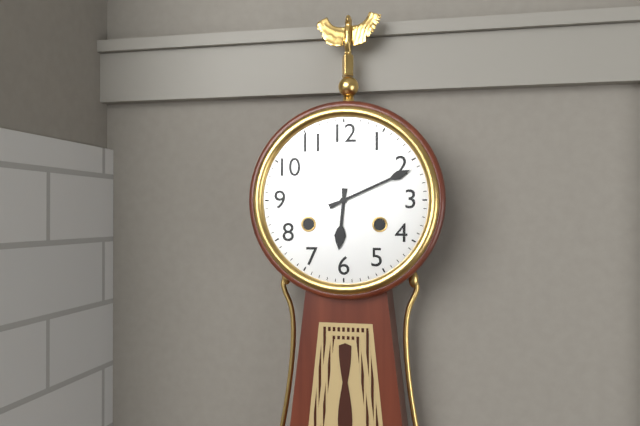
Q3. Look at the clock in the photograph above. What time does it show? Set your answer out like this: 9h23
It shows 6h11
